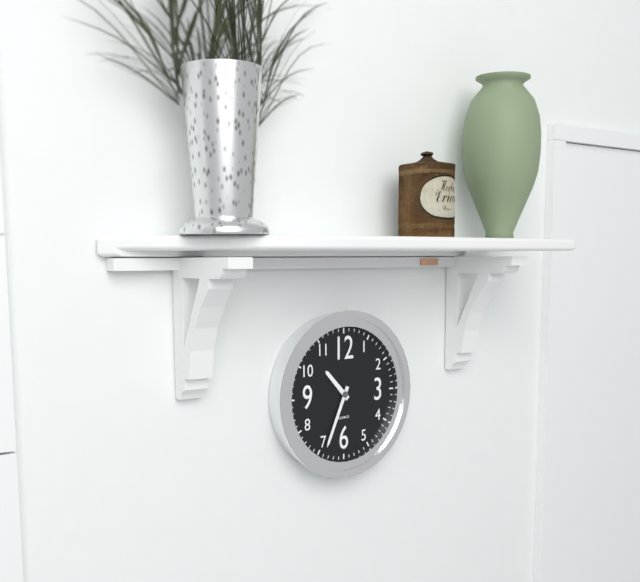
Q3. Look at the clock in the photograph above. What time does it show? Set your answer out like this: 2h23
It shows 10h34
